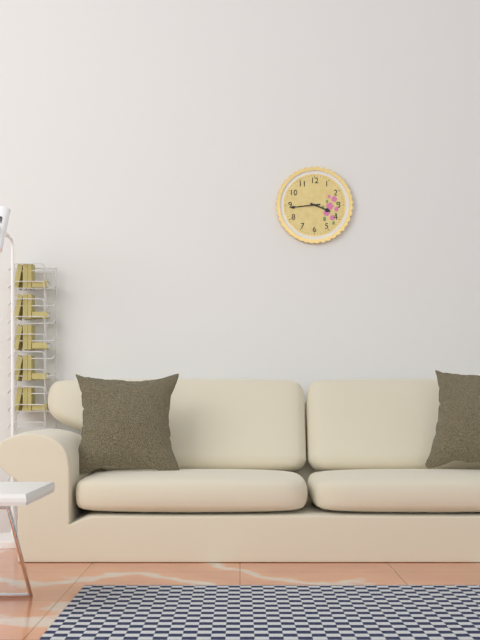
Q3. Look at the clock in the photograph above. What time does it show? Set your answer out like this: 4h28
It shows 3h44
